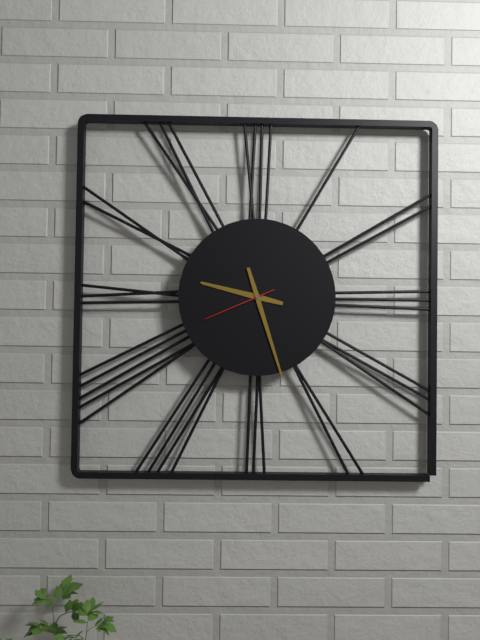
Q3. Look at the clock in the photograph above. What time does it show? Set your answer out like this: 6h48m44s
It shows 9h27m41s
